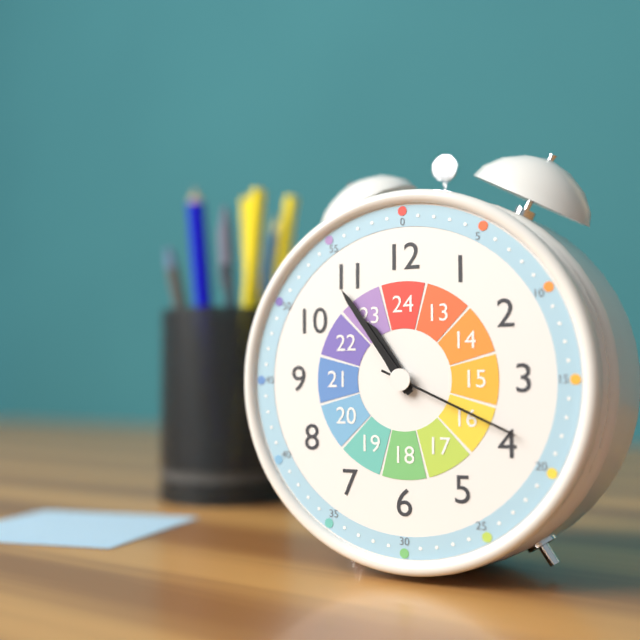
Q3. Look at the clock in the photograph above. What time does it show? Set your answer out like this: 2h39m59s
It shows 10h54m19s
